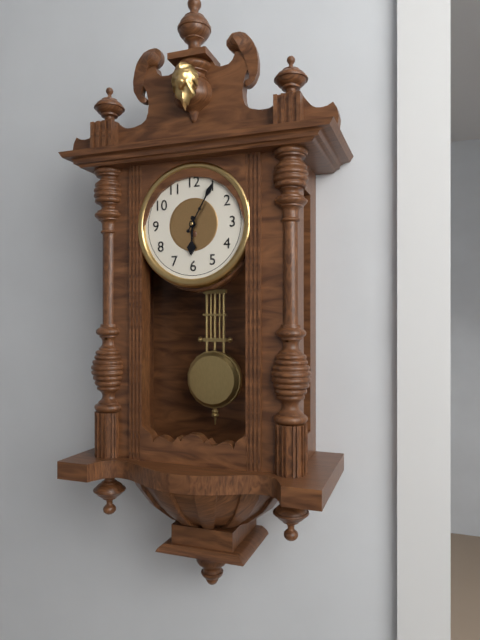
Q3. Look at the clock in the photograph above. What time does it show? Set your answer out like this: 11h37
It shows 6h05
